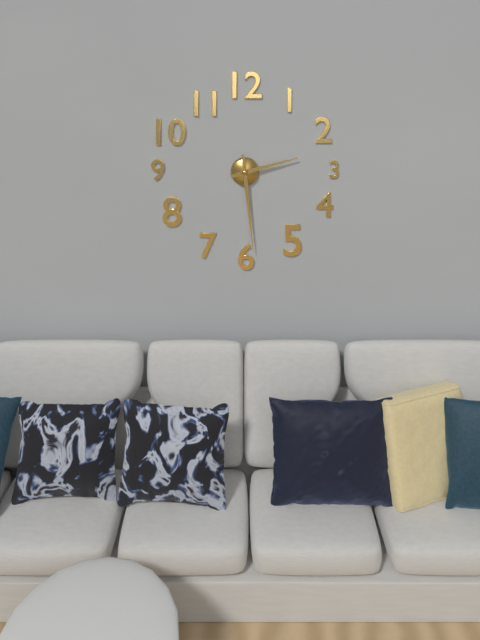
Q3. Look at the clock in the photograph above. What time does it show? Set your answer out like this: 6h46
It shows 2h29
